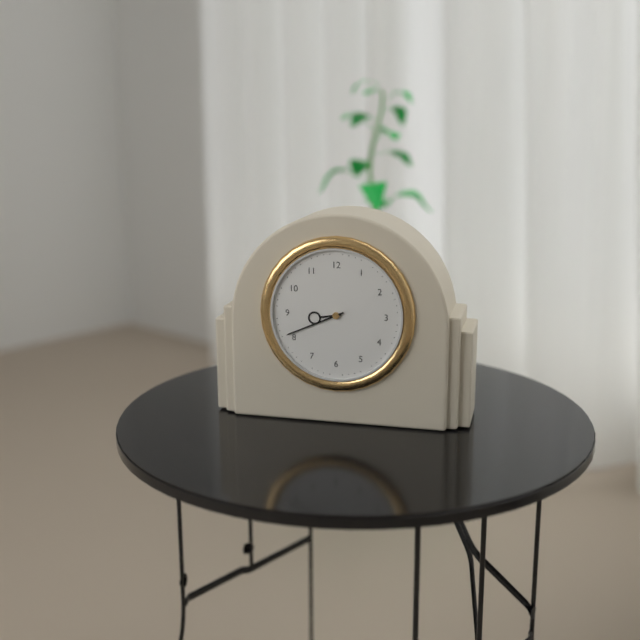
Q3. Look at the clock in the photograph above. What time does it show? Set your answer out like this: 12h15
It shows 8h41
